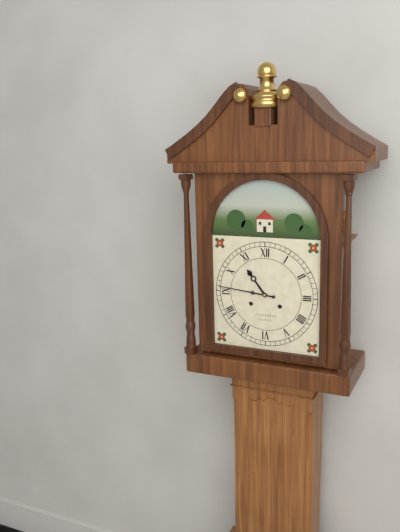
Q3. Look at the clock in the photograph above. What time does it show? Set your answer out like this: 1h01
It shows 10h46
